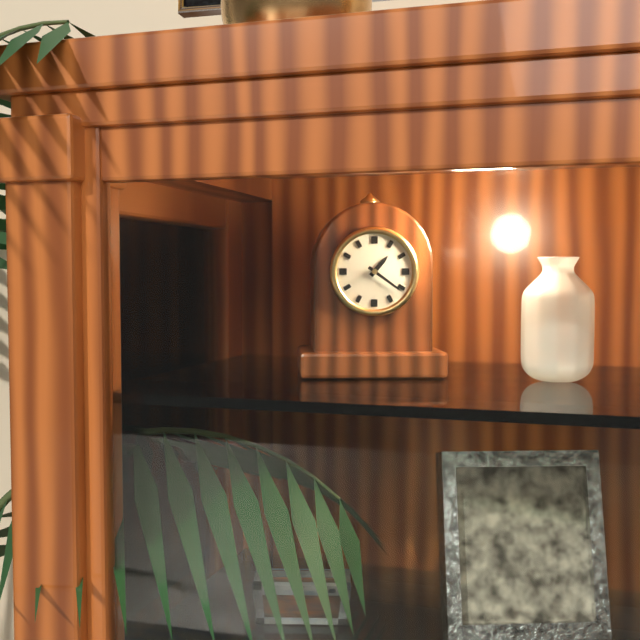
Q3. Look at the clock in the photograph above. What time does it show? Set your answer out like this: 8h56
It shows 1h21
